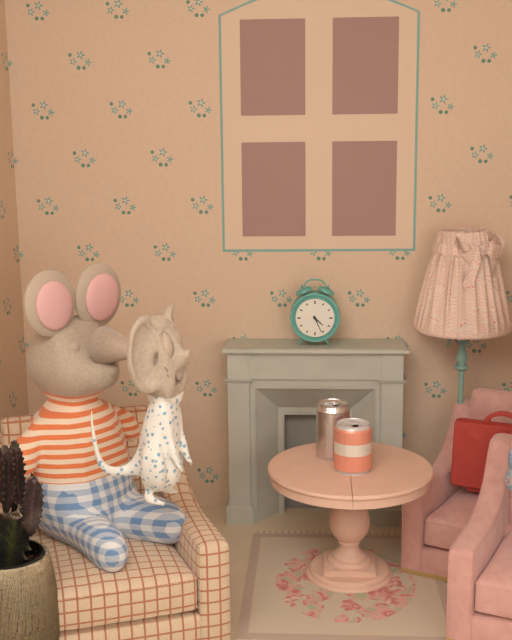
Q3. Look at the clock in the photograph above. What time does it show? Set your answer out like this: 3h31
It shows 4h26
